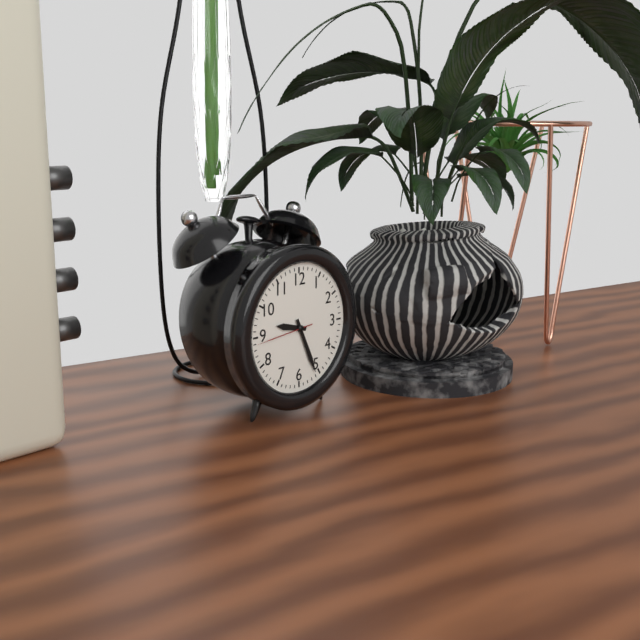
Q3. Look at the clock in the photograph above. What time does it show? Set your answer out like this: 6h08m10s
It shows 9h26m44s
